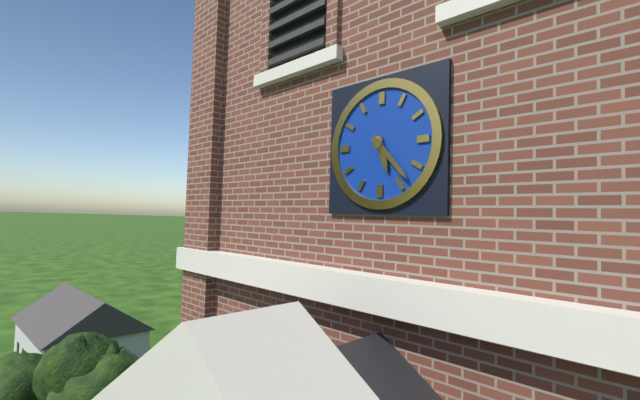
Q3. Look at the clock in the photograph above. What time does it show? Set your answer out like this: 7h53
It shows 5h23
